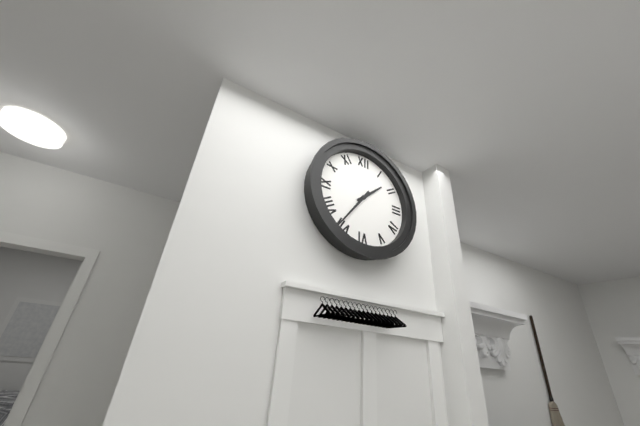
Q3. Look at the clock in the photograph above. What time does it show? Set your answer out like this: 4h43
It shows 1h36
